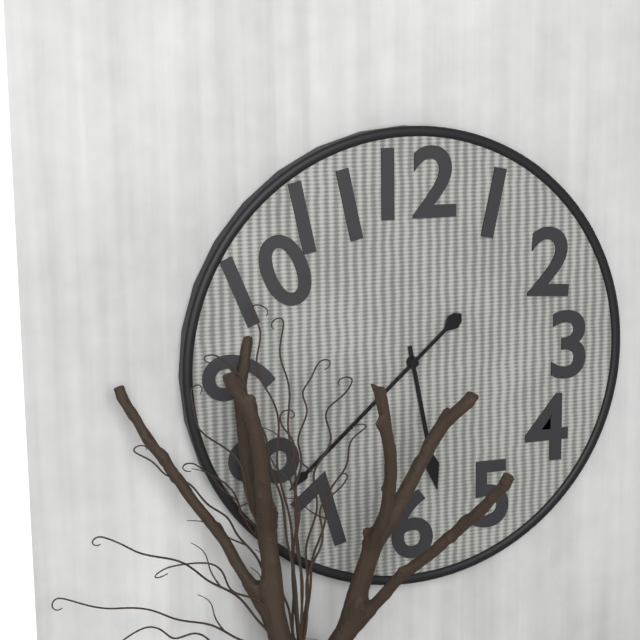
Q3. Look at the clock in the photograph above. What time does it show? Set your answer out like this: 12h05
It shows 5h38
